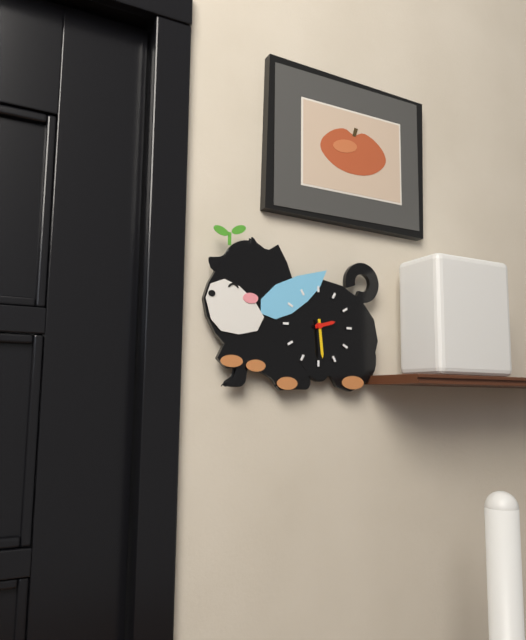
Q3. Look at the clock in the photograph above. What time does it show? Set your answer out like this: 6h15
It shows 2h29
